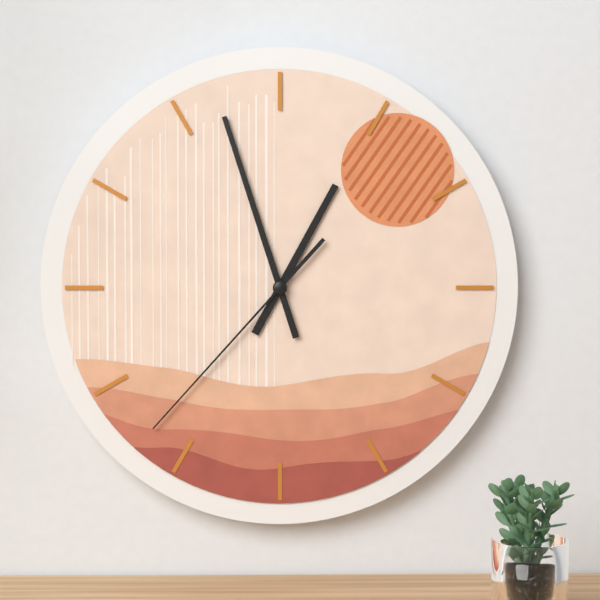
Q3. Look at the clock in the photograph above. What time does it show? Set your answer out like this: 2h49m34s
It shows 12h57m37s
